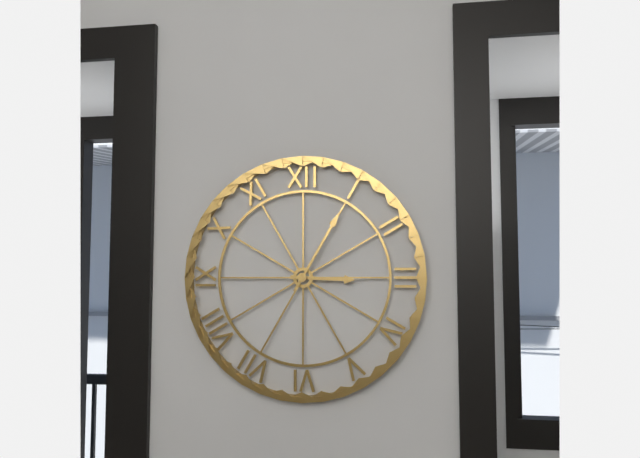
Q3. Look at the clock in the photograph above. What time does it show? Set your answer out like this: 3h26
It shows 3h05
